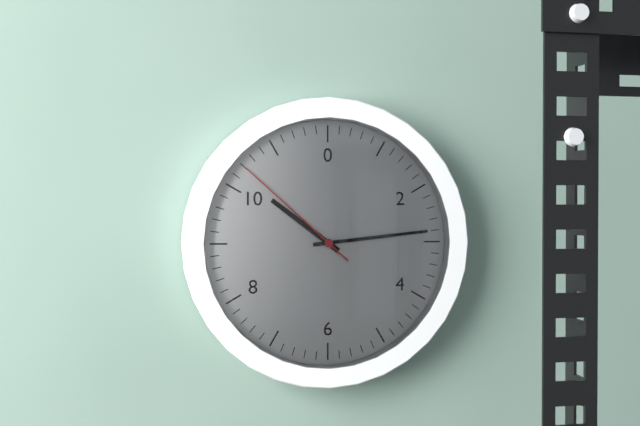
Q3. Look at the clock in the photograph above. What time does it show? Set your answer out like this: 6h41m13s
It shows 10h14m52s
